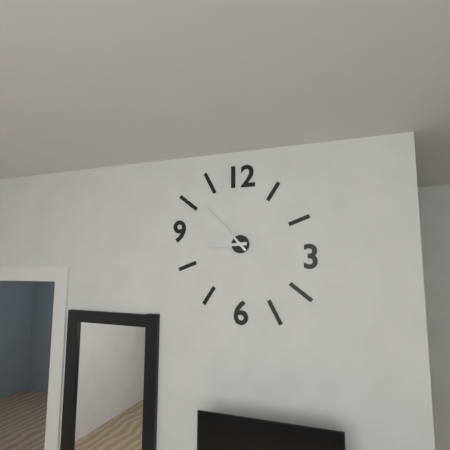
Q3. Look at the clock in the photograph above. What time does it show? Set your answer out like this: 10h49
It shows 8h53
